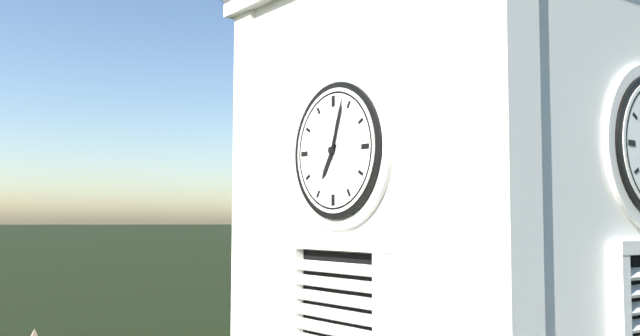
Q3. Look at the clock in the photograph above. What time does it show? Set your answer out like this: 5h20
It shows 7h03
